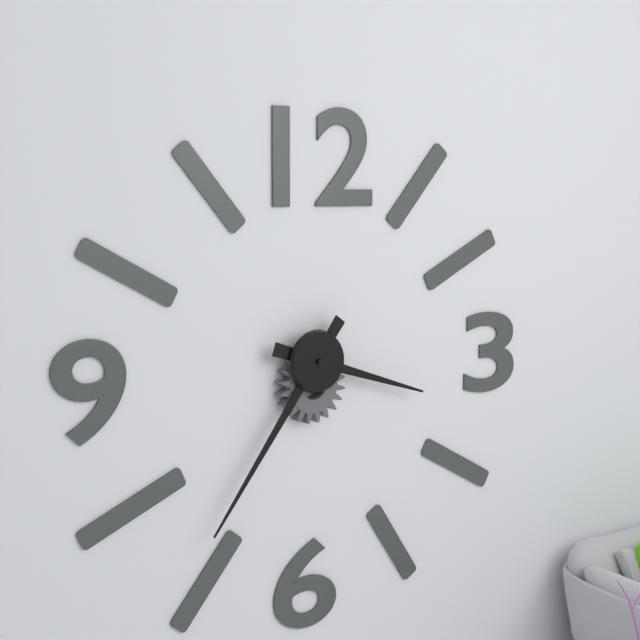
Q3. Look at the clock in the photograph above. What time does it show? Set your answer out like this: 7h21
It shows 3h36
